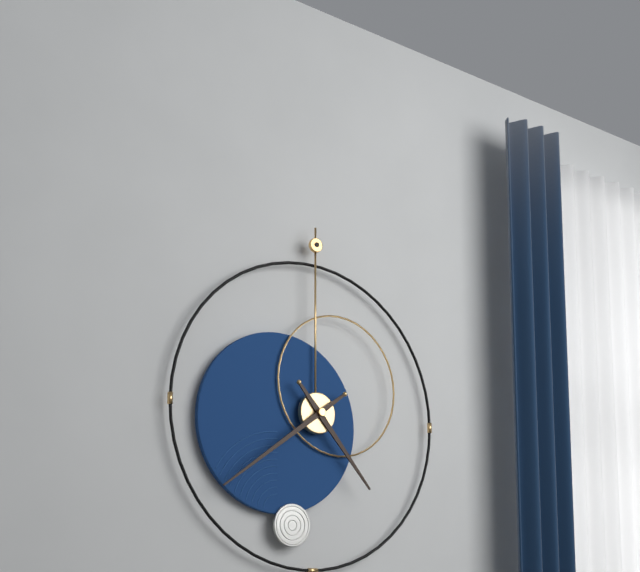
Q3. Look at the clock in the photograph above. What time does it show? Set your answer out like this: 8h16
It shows 4h39
